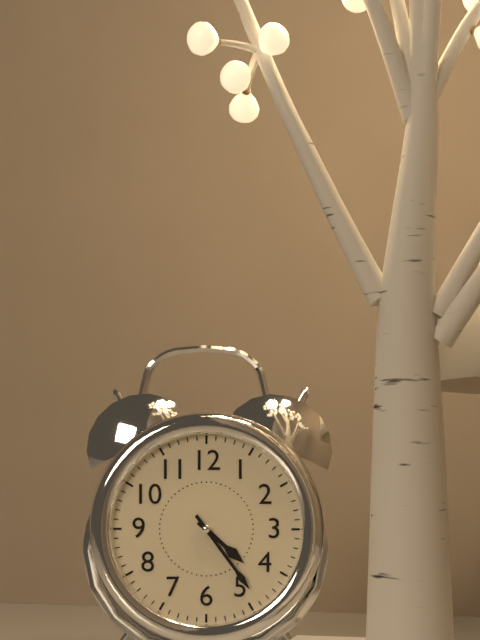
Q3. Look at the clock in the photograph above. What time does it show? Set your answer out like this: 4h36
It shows 4h24
